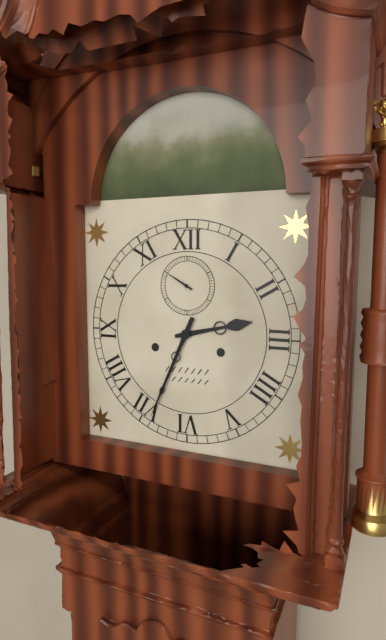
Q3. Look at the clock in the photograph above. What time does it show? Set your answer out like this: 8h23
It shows 2h34
